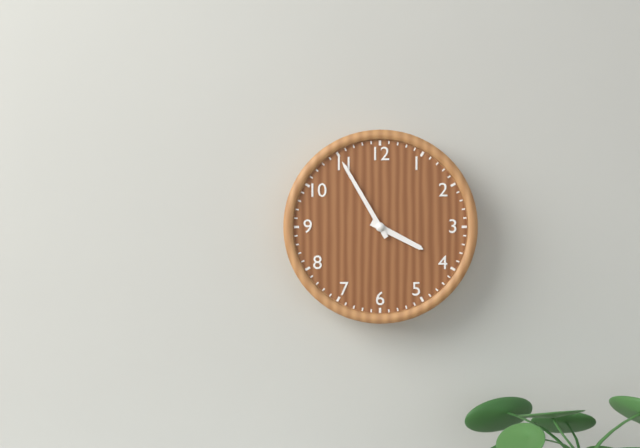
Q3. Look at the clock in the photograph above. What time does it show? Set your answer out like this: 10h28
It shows 3h55
